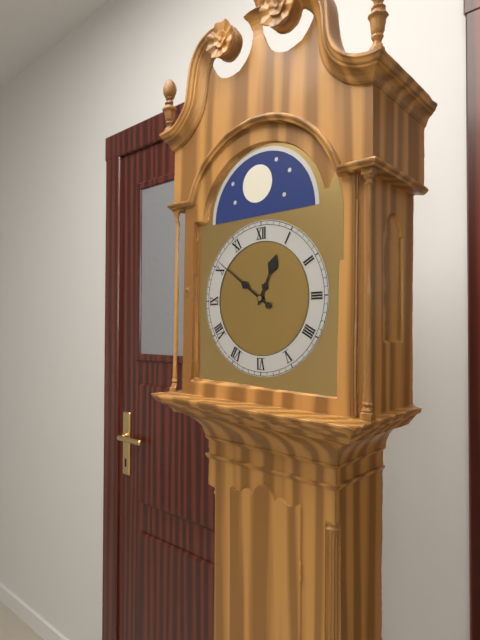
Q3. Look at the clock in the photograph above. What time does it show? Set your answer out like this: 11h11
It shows 12h51
